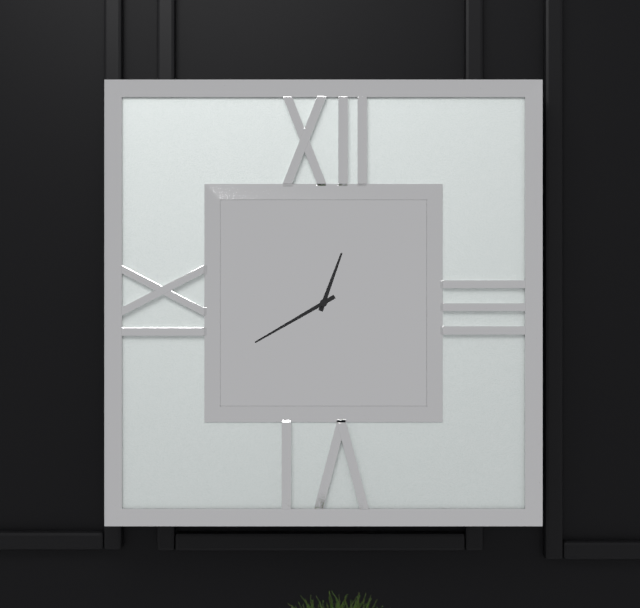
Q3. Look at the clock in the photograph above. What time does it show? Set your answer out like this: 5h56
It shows 12h40
